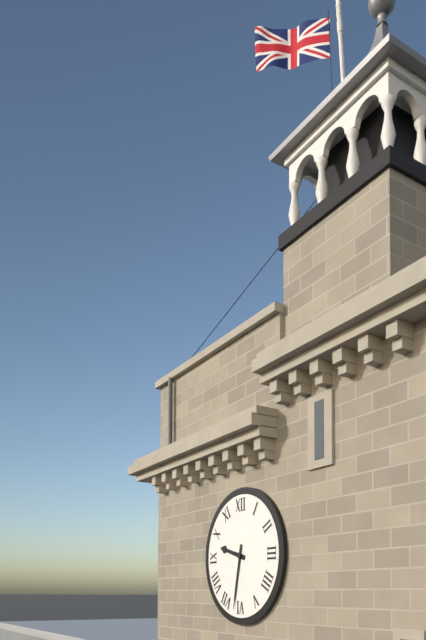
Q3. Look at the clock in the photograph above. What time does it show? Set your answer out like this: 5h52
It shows 9h32
